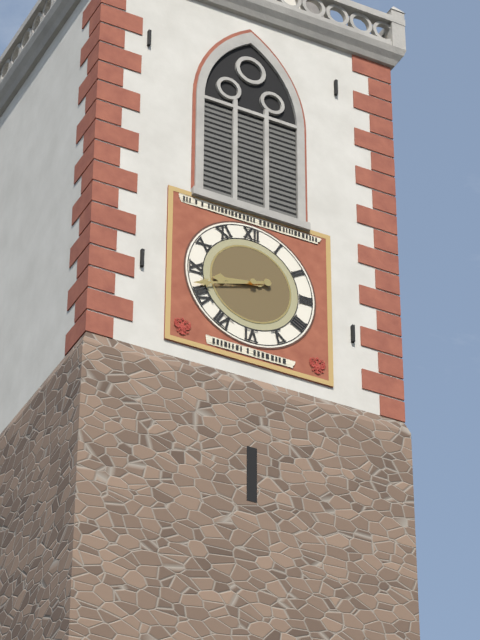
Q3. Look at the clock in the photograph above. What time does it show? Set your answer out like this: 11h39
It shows 8h42
